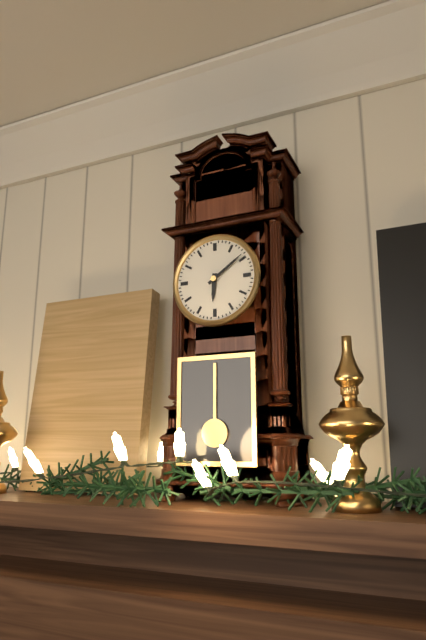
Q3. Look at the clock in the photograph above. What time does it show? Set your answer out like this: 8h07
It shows 6h09
